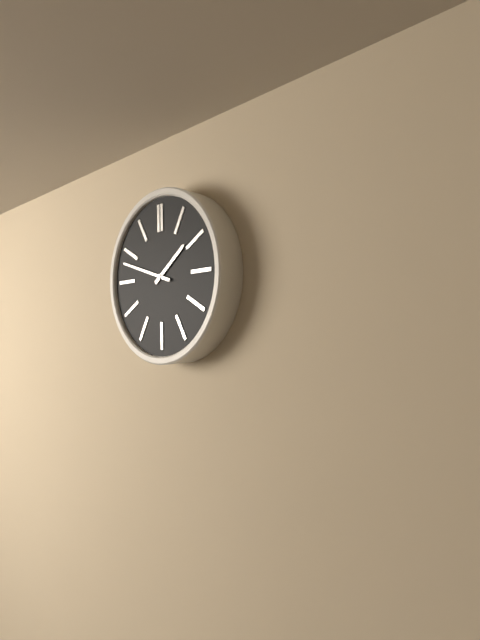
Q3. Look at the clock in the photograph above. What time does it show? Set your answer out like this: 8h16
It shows 1h48
